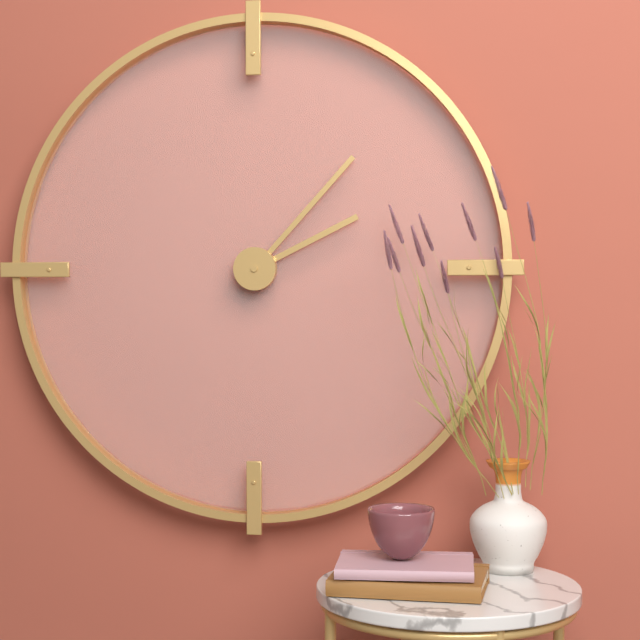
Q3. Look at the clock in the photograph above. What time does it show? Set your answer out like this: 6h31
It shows 2h07
